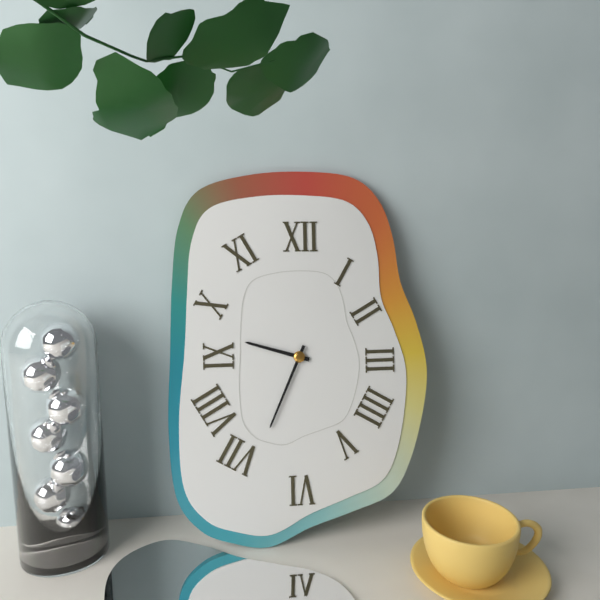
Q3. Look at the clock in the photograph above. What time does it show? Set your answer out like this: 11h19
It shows 9h34
